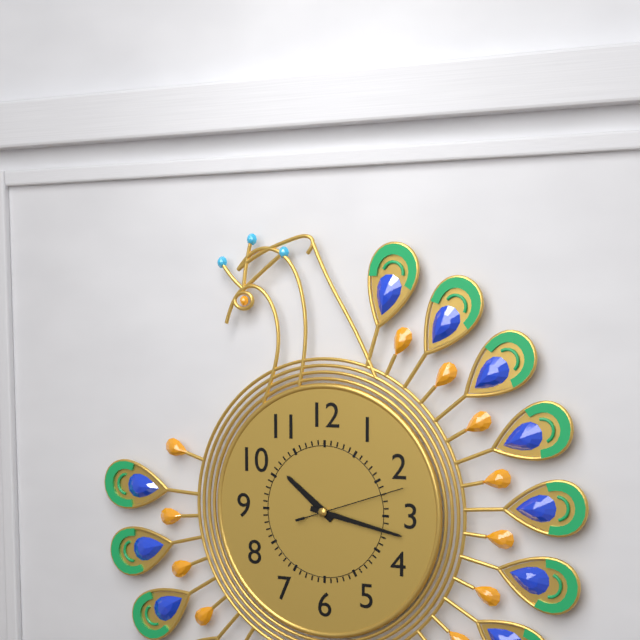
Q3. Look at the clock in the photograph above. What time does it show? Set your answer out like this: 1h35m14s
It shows 10h17m12s
